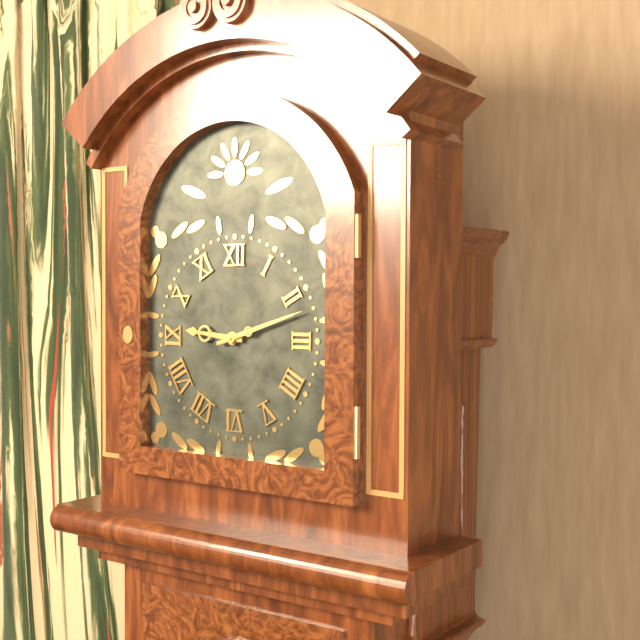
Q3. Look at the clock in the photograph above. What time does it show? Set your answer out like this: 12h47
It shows 9h12
